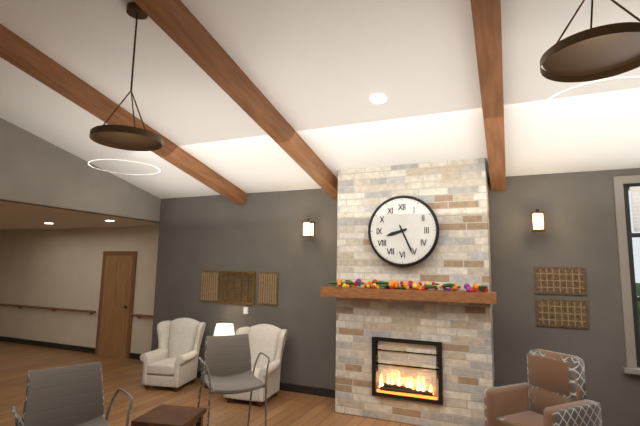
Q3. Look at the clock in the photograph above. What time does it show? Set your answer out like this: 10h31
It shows 8h26
